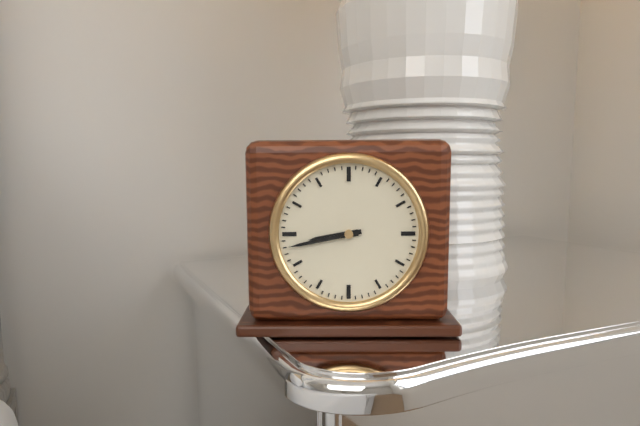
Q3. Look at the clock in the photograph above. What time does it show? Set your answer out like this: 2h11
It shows 8h43
